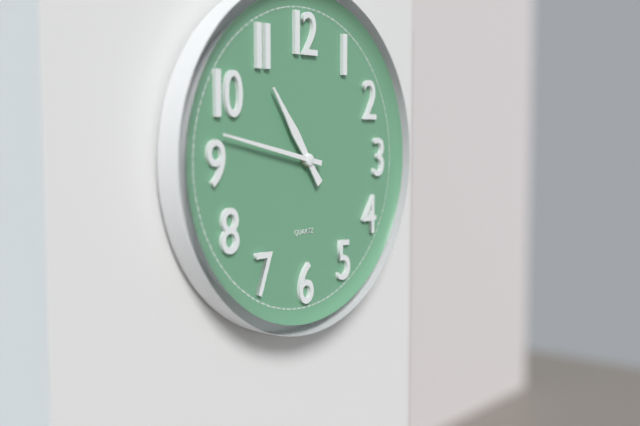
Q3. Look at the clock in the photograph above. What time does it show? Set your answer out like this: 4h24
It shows 10h47
